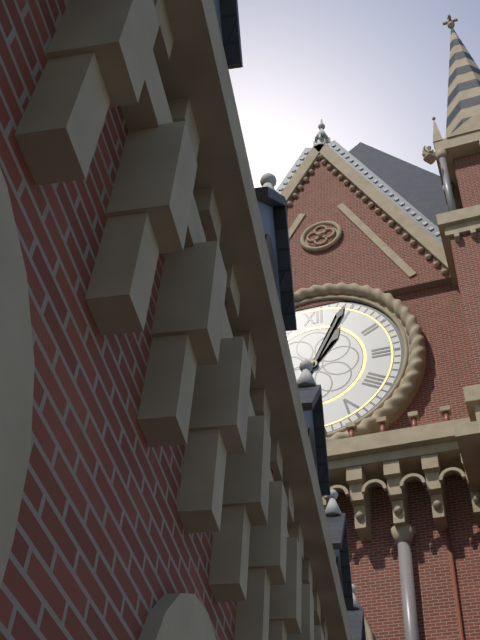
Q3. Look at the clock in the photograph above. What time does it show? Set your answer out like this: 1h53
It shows 1h04
